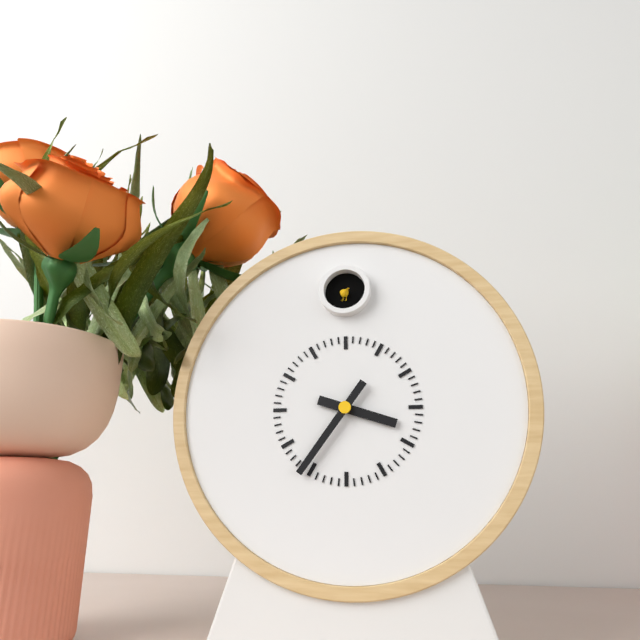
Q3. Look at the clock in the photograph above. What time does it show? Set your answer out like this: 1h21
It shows 3h36
